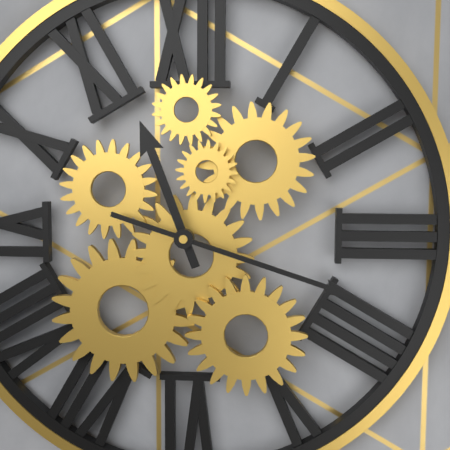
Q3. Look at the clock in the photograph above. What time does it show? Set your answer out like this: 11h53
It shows 11h18
